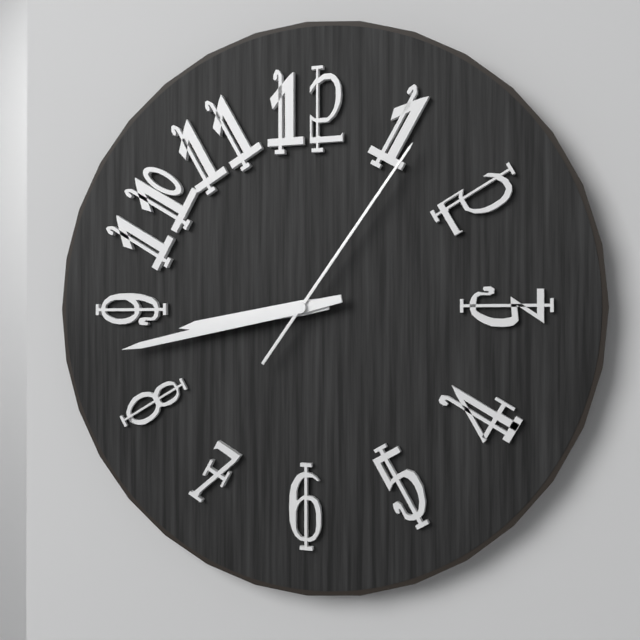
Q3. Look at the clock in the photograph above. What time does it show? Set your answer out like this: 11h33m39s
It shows 8h43m06s
